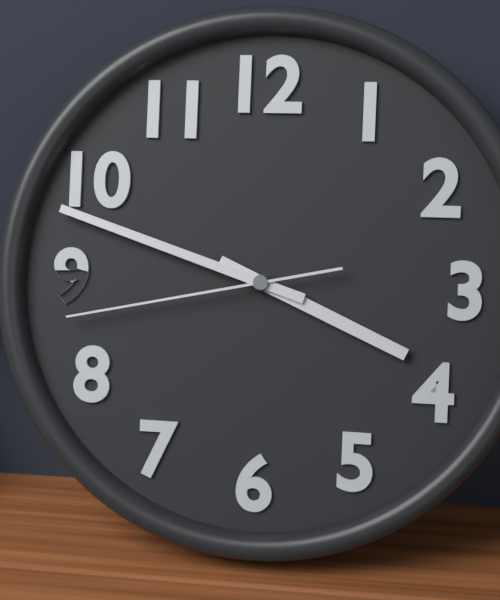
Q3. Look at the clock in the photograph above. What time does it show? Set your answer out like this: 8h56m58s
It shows 3h48m43s
